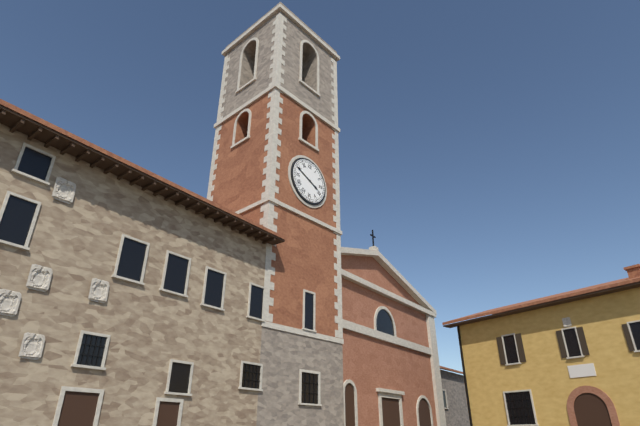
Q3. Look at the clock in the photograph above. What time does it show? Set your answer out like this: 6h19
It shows 3h49
